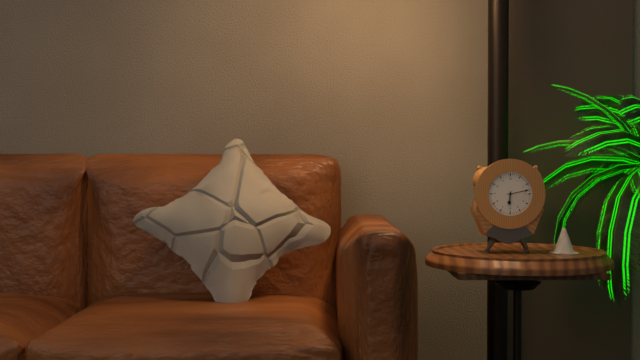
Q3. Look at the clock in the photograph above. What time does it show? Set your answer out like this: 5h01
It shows 6h13
